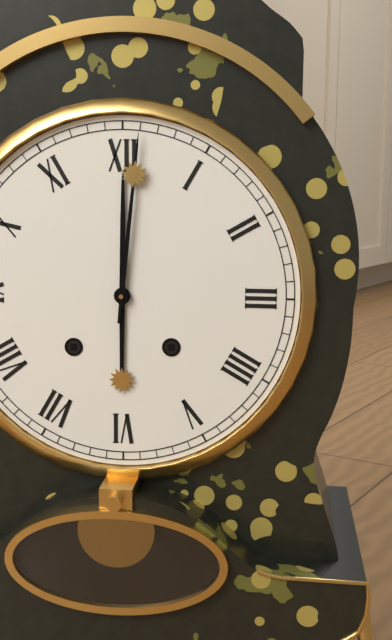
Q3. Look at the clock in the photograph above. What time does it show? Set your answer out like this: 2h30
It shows 12h01
